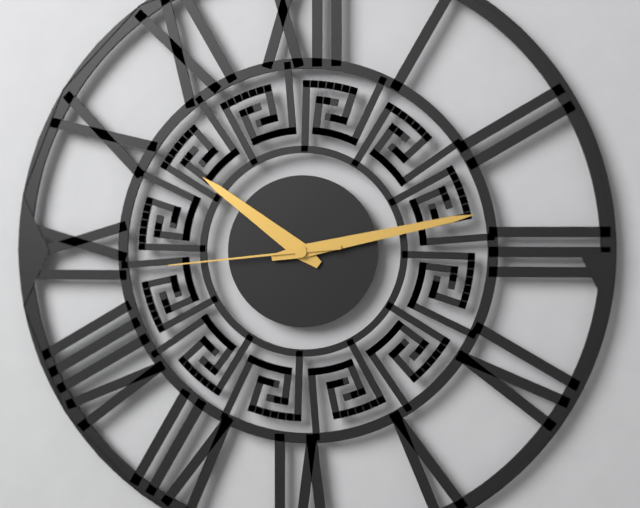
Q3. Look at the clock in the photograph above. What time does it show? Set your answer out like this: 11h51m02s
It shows 10h13m44s
